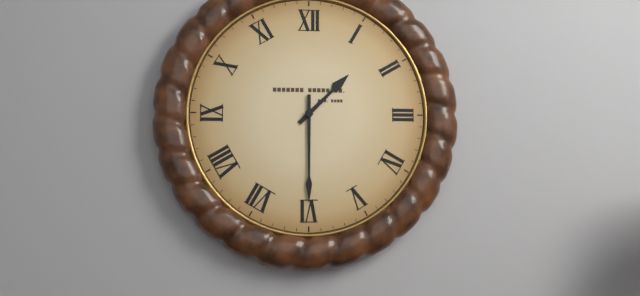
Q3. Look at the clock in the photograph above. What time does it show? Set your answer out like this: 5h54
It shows 1h30
